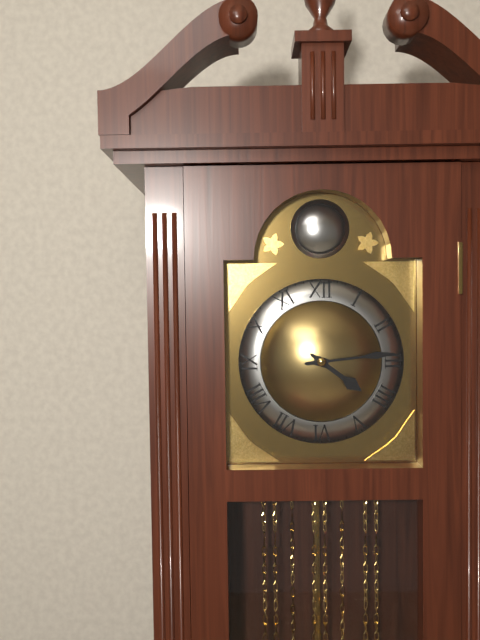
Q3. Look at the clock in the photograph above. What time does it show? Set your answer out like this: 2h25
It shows 4h14
